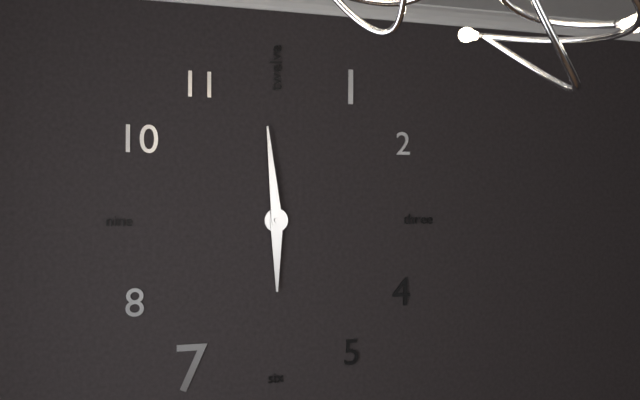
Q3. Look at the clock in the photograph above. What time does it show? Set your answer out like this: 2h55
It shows 5h59
